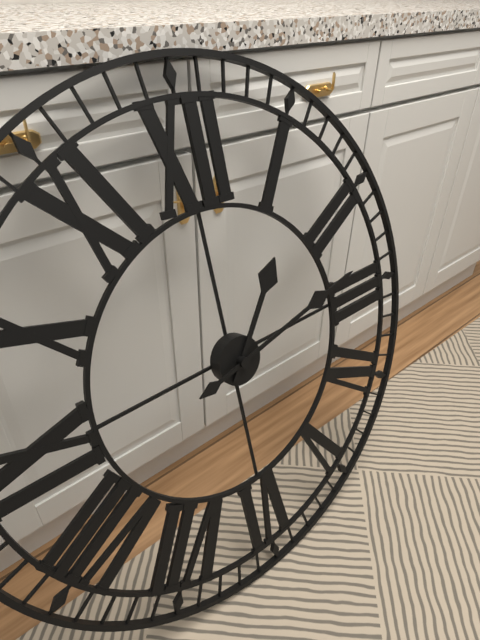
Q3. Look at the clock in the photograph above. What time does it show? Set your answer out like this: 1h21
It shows 1h13
